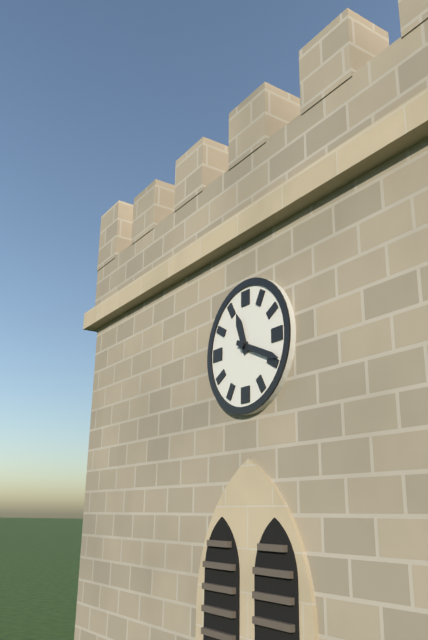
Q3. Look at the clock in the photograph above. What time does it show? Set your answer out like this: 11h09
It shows 11h19
